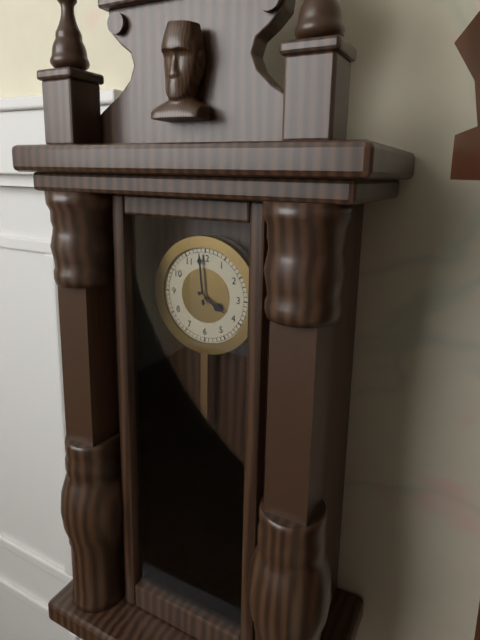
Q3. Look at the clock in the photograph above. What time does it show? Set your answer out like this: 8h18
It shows 3h59
